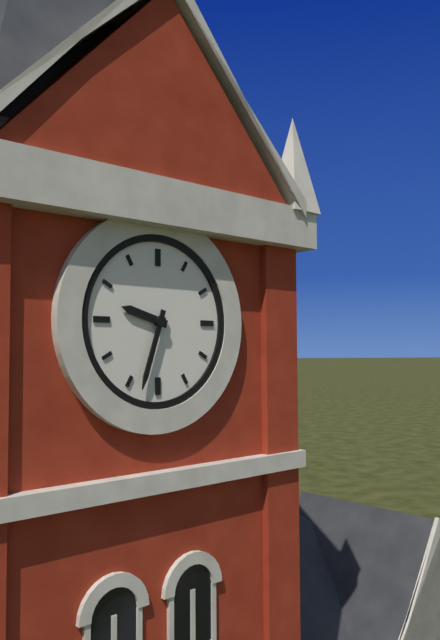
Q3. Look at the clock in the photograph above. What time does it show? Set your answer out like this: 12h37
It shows 9h33
